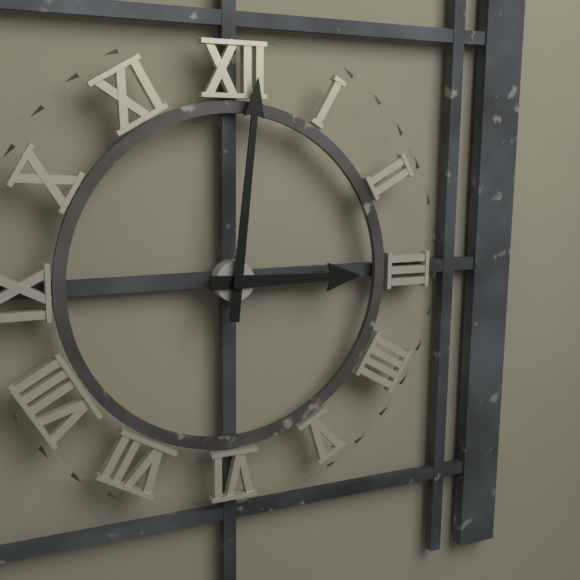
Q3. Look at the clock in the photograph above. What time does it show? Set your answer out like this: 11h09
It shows 3h01
